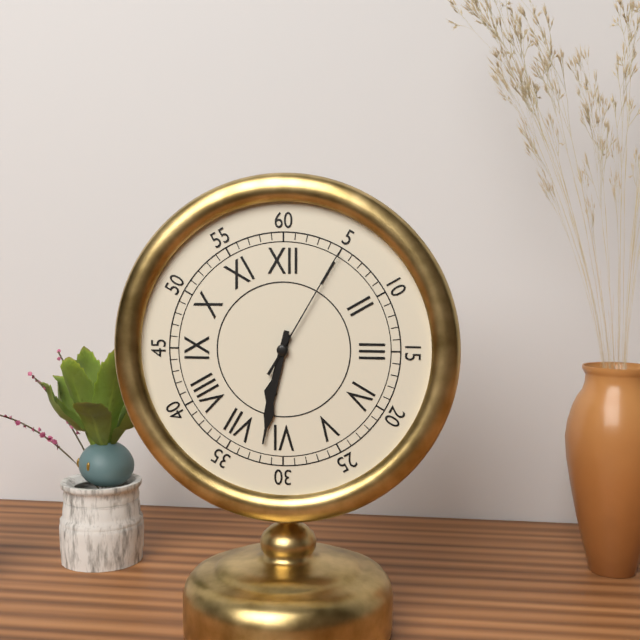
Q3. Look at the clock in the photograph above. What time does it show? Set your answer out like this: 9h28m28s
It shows 6h32m05s
